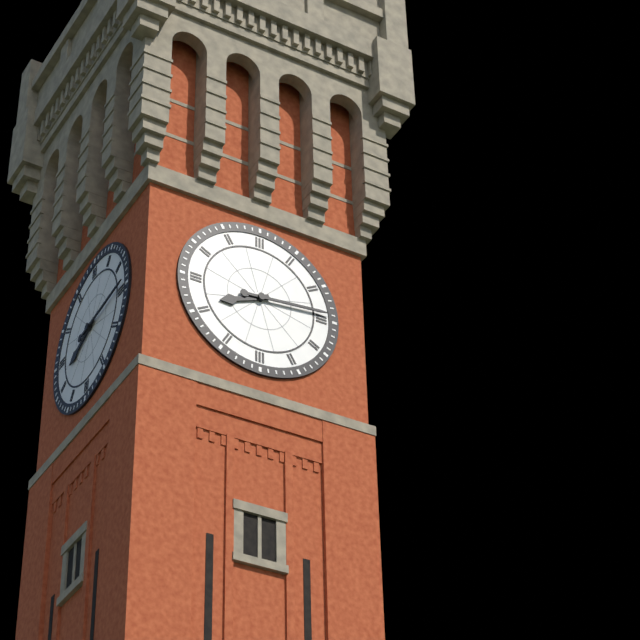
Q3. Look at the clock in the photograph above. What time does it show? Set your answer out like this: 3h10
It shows 8h14
